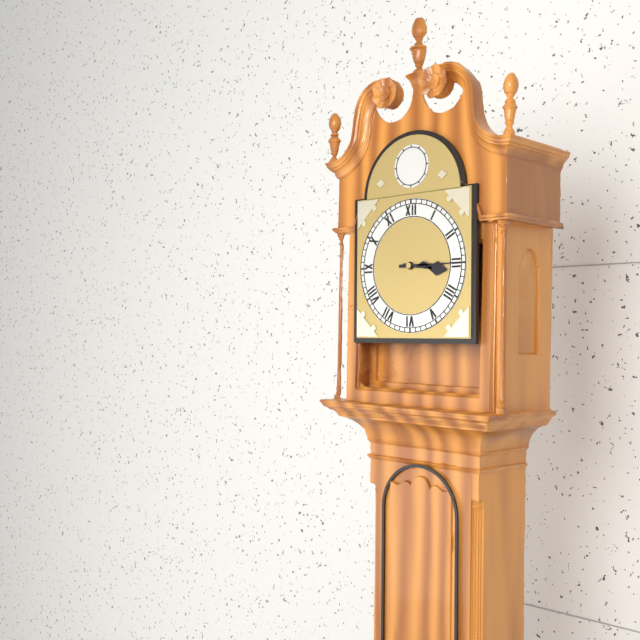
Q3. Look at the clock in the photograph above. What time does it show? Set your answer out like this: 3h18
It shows 3h15
